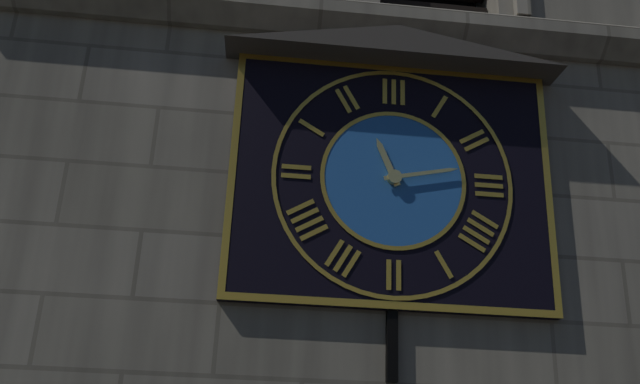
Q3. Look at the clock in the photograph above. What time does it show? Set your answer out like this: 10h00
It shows 11h13
